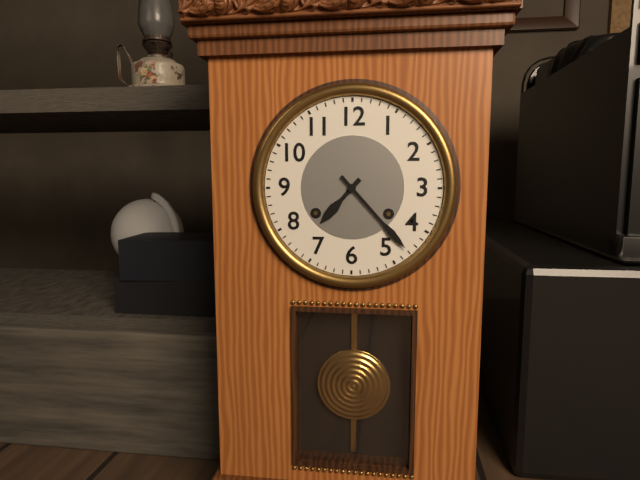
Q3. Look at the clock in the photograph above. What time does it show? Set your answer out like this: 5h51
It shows 7h23
